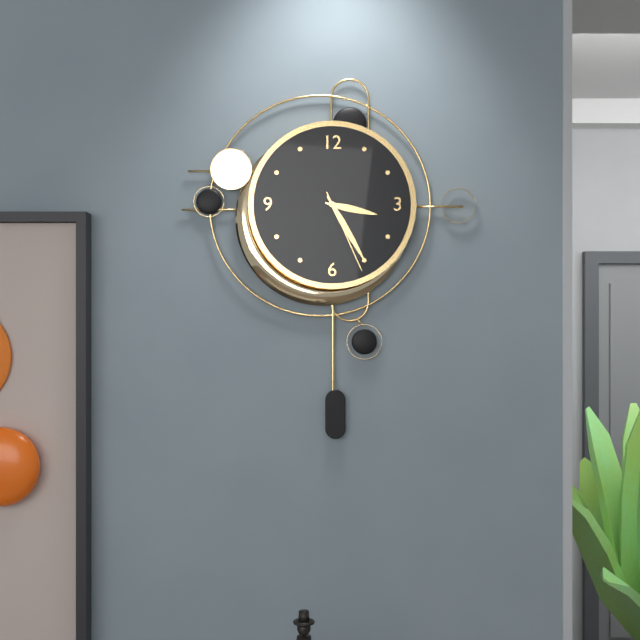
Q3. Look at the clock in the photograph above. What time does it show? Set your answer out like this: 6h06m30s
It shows 3h25m26s
